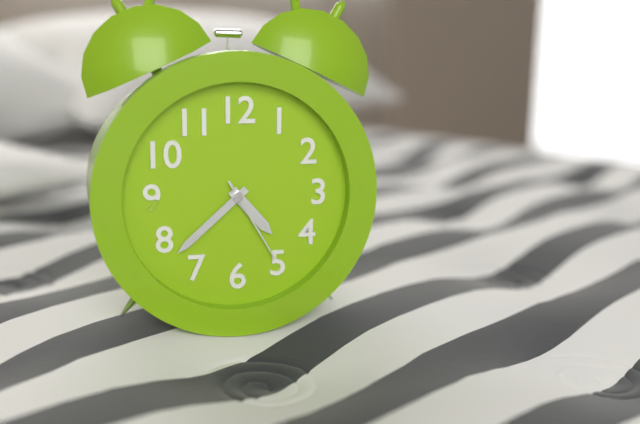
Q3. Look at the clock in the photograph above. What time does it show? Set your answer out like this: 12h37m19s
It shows 4h38m25s
